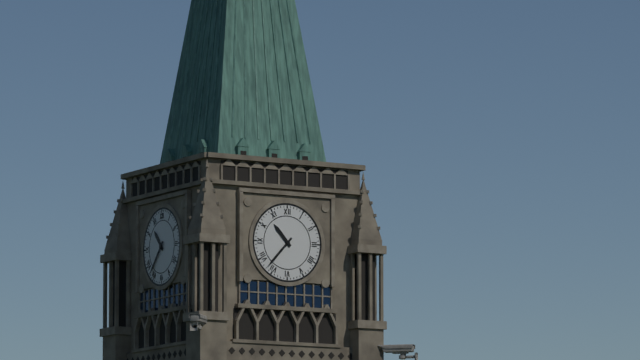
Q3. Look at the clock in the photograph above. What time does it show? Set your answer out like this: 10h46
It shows 10h37
